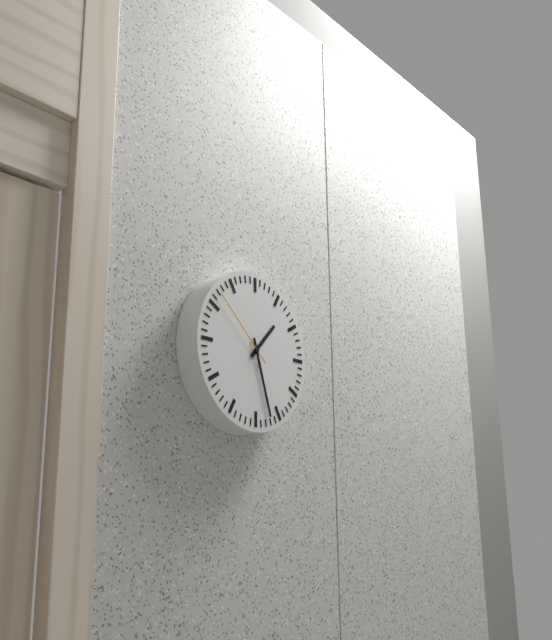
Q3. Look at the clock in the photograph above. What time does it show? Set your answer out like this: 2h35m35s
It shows 1h27m52s
